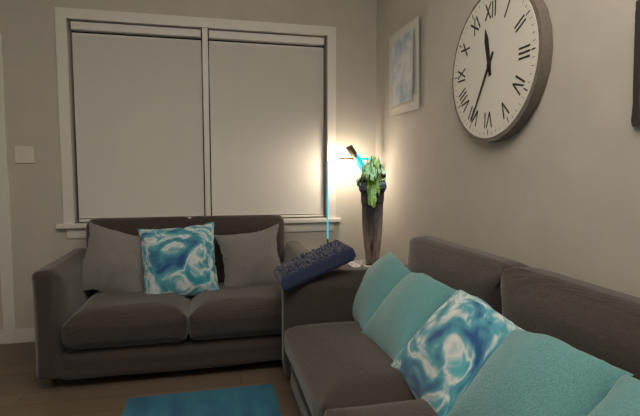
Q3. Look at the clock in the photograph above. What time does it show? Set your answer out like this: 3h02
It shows 11h35
